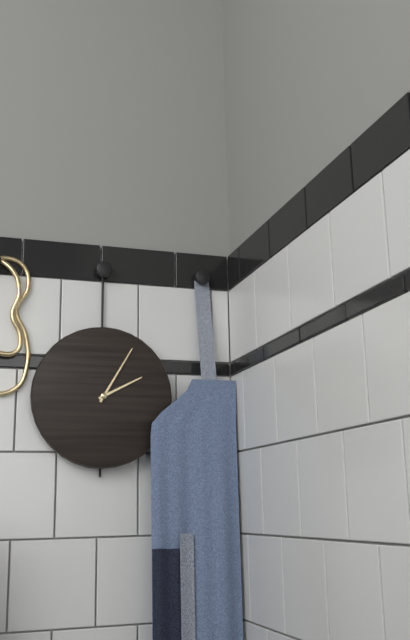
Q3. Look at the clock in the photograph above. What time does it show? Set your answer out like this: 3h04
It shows 2h05
